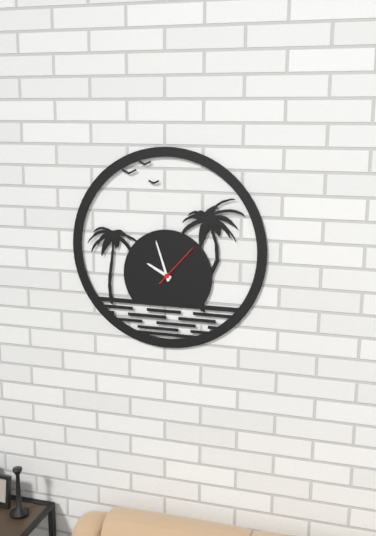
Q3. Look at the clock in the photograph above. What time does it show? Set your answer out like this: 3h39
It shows 9h57
